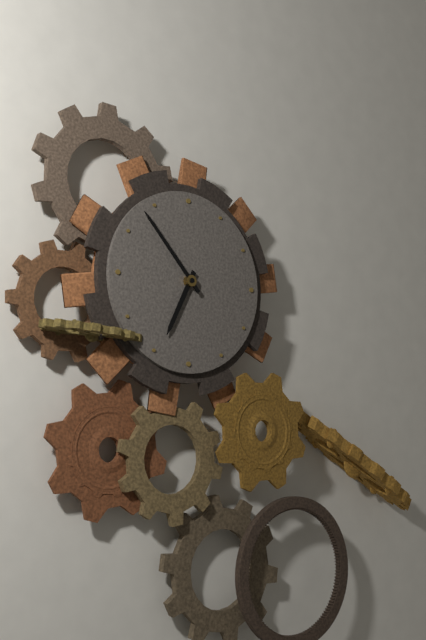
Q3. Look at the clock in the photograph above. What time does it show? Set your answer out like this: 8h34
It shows 6h53
